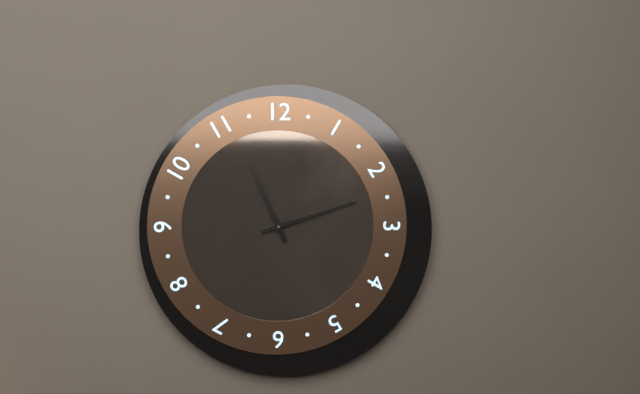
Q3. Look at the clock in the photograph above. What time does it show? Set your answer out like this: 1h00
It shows 11h12
